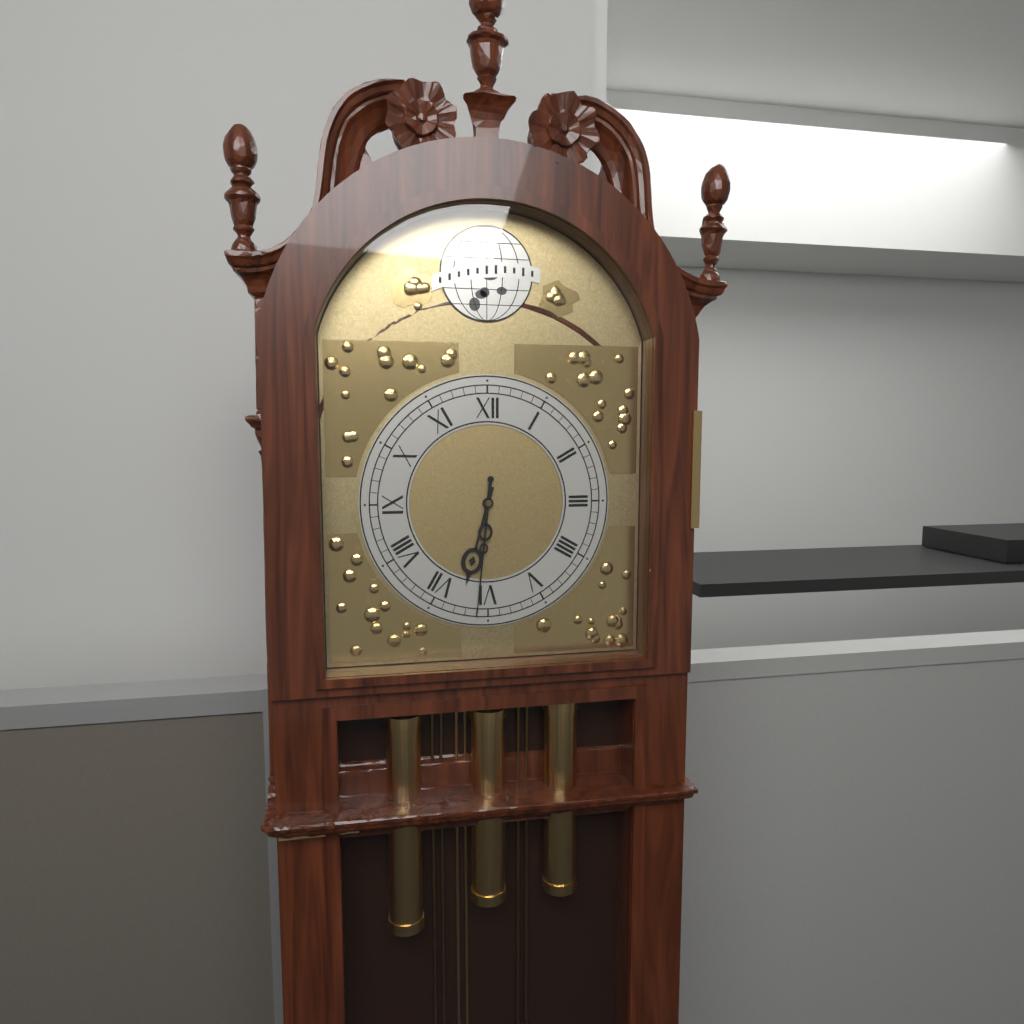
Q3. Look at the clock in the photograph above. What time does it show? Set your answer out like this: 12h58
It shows 6h31
